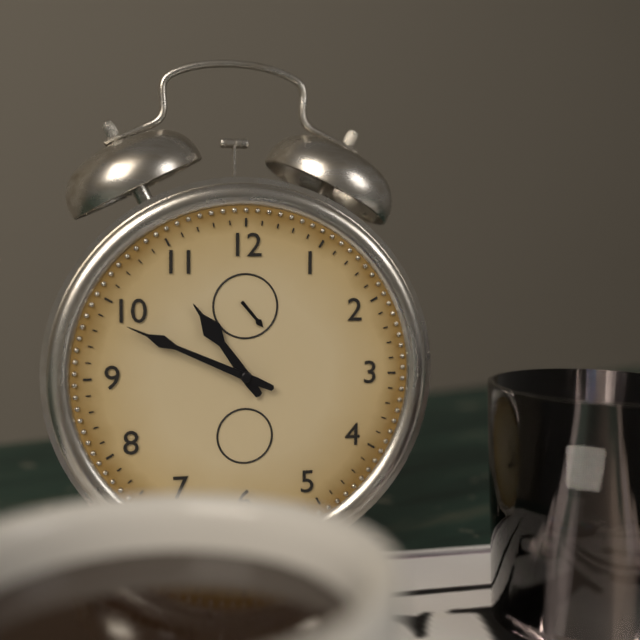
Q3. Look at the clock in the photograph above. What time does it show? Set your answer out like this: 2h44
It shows 10h49
